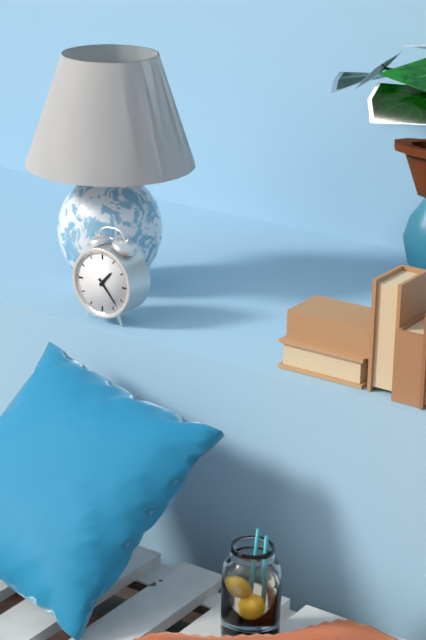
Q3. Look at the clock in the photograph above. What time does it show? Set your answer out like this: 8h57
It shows 1h23
